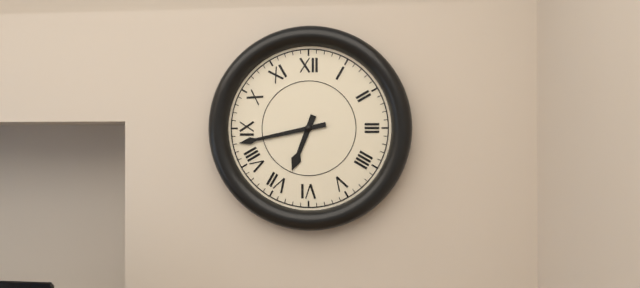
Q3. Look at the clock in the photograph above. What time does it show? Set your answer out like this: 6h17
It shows 6h43
